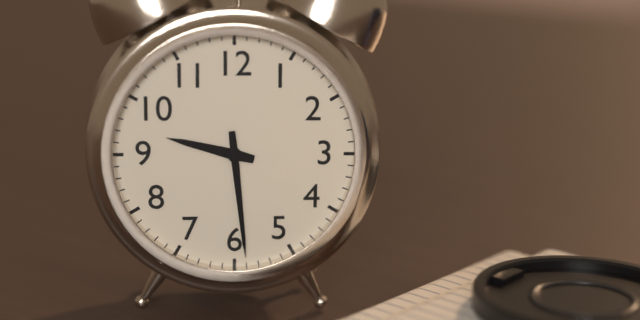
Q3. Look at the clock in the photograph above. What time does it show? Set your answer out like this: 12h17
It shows 9h29
